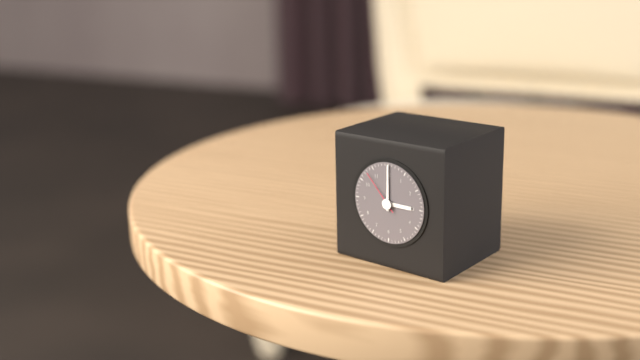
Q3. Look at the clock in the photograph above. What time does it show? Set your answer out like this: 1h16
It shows 3h00
